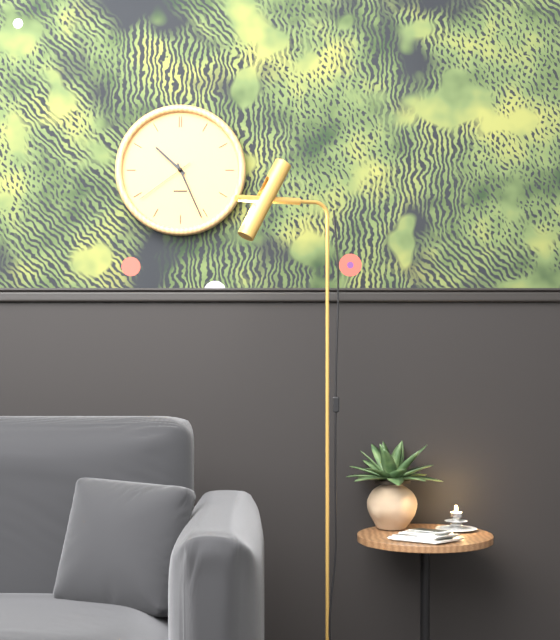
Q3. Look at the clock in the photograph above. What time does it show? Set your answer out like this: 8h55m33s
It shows 10h26m39s
